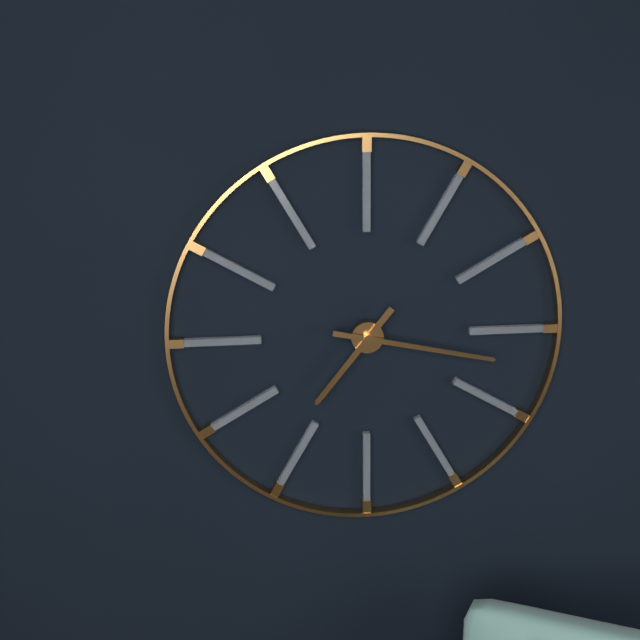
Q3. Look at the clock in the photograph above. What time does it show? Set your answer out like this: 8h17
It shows 7h17
